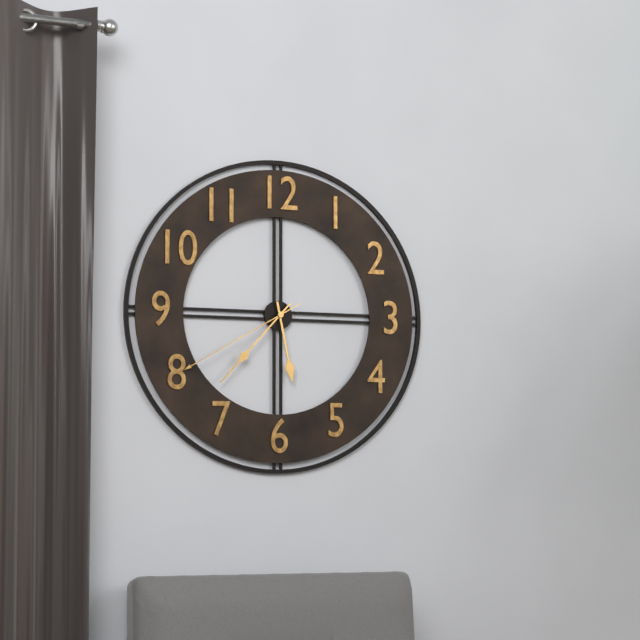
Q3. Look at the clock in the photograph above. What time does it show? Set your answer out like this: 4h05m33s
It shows 5h37m40s
